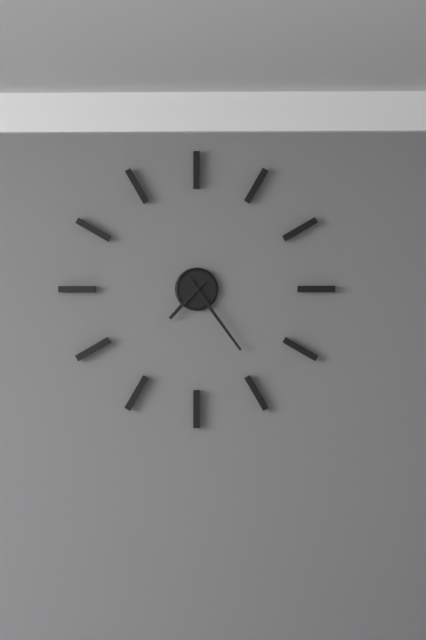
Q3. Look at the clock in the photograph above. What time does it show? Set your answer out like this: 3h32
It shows 7h24
